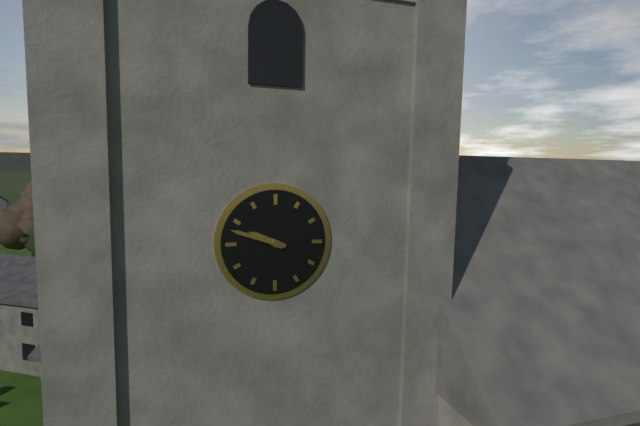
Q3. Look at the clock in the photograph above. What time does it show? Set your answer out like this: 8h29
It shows 9h48
